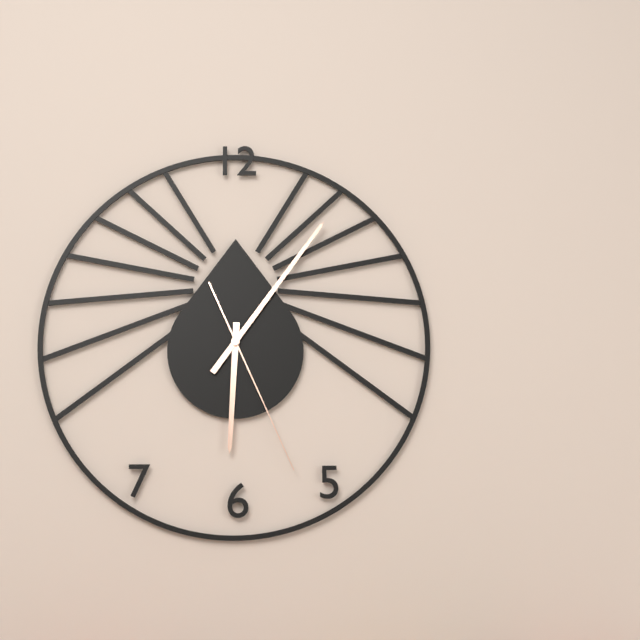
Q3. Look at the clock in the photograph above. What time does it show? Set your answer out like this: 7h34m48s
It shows 6h06m26s
